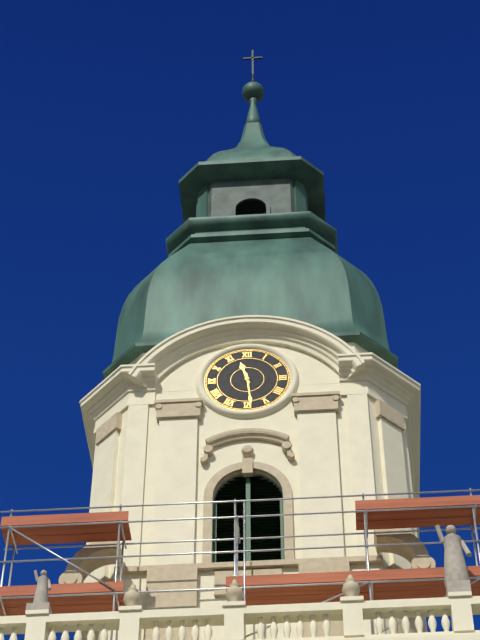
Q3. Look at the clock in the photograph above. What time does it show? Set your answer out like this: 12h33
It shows 11h29
